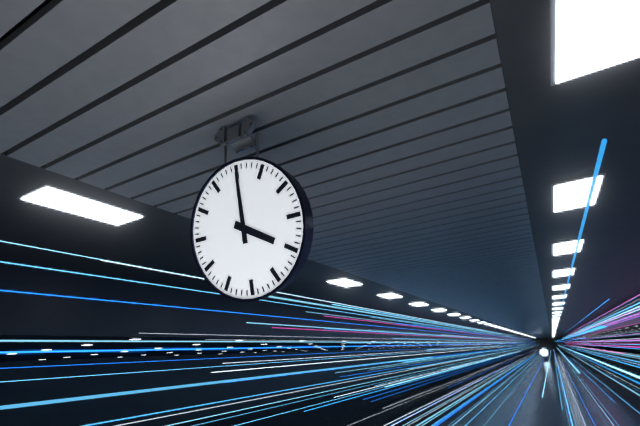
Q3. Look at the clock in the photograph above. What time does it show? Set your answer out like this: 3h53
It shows 4h00
